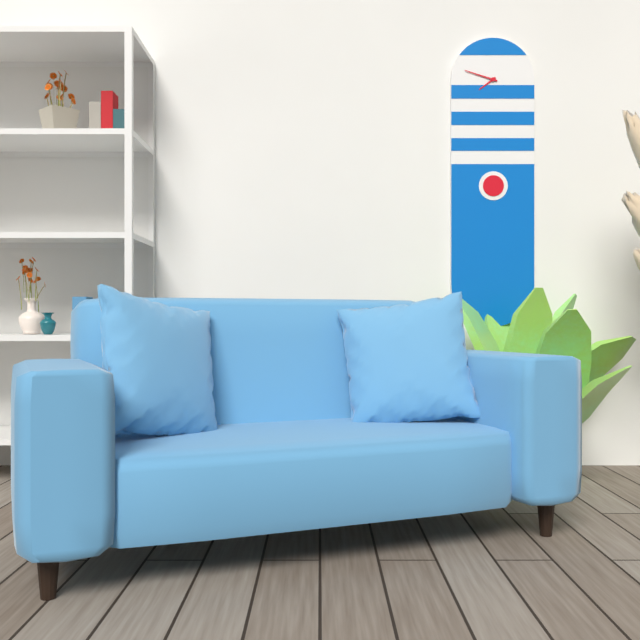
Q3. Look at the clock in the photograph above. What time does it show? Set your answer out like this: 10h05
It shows 7h48
